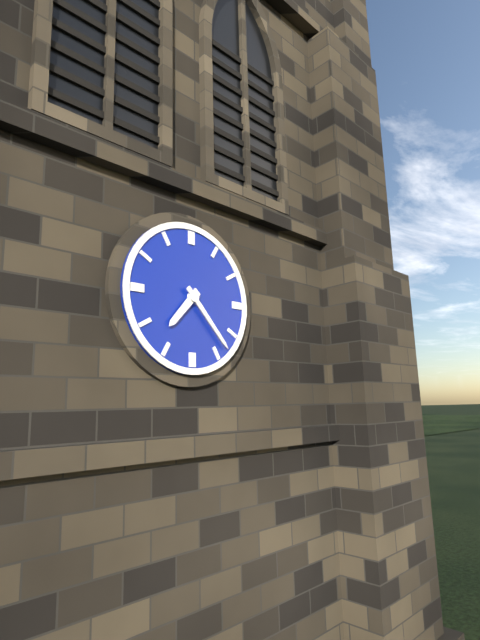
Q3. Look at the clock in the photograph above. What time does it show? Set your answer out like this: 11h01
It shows 7h23
